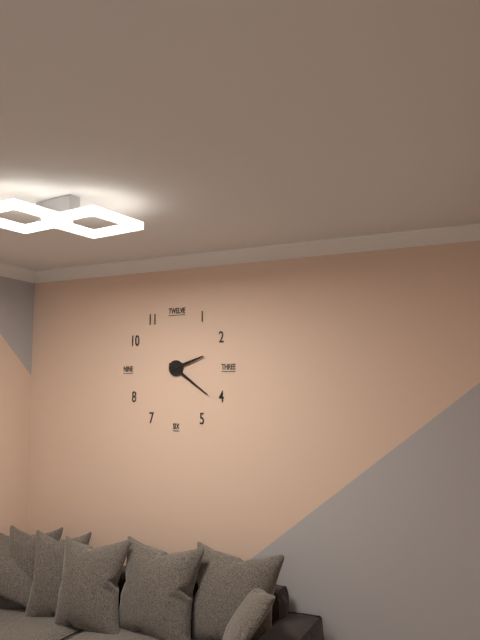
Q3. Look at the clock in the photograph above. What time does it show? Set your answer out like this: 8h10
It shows 2h21
